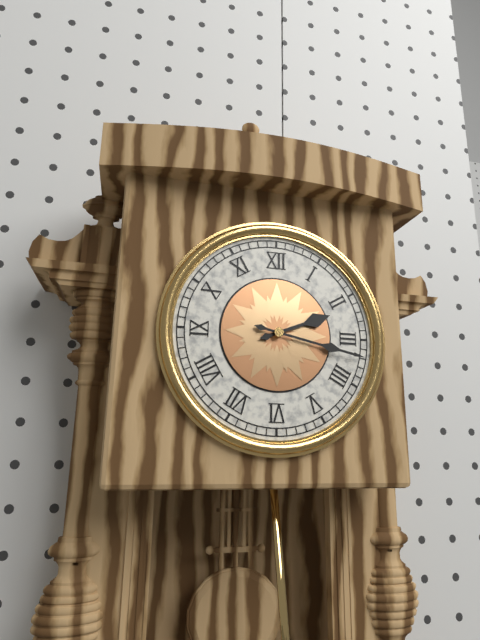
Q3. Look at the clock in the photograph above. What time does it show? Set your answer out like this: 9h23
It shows 2h17
